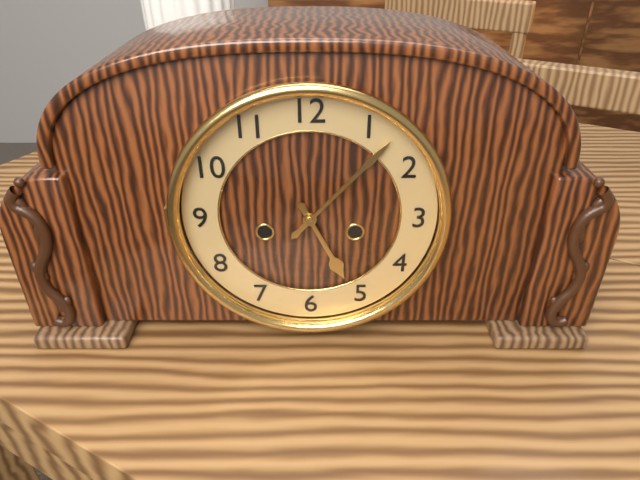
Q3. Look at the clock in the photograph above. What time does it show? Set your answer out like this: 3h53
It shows 5h07
